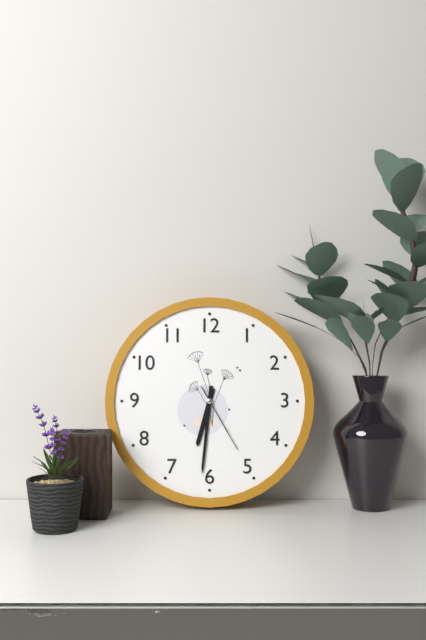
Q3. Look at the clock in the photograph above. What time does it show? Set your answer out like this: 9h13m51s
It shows 6h31m25s
